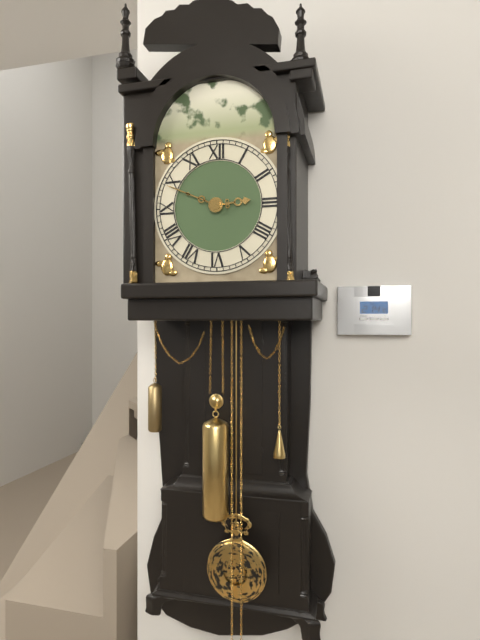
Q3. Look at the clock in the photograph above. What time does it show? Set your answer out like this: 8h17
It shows 2h49
